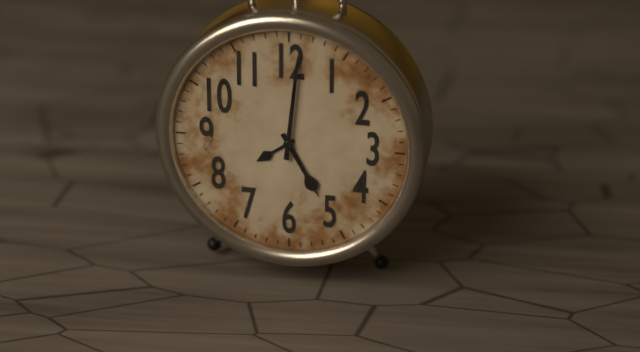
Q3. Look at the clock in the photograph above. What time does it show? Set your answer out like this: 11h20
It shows 5h01
